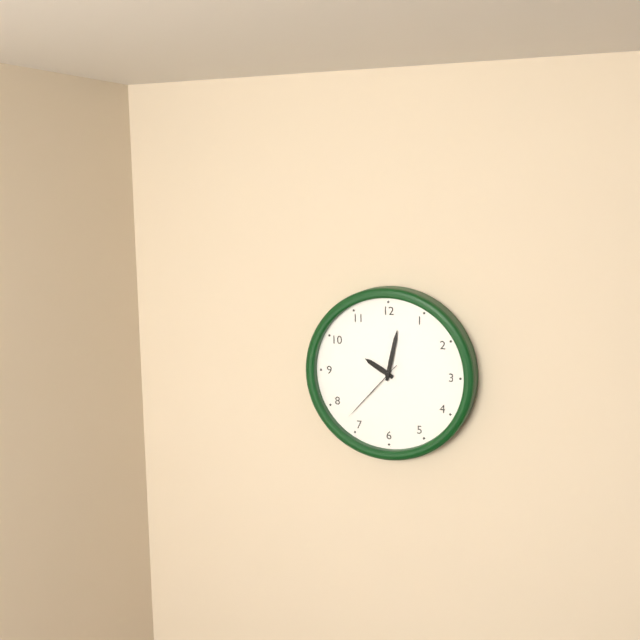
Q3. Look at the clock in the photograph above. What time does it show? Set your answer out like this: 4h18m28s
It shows 10h02m37s
